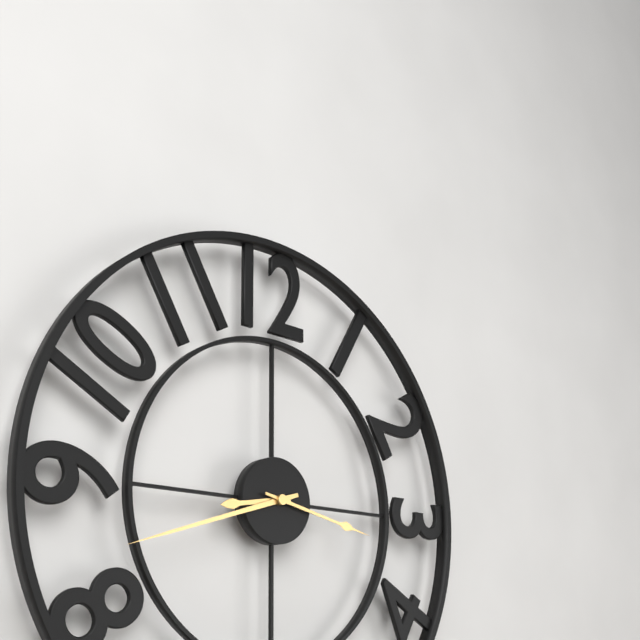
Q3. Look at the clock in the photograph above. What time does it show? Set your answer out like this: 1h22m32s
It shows 8h42m17s
